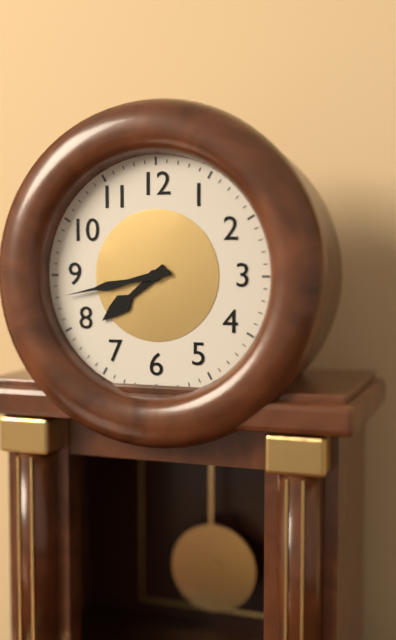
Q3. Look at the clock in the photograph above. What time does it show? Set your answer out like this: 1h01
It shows 7h43
